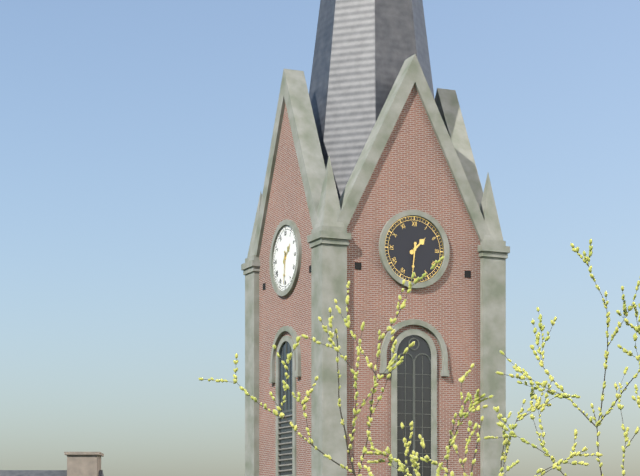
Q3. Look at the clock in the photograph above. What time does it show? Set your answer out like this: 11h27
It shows 1h31
